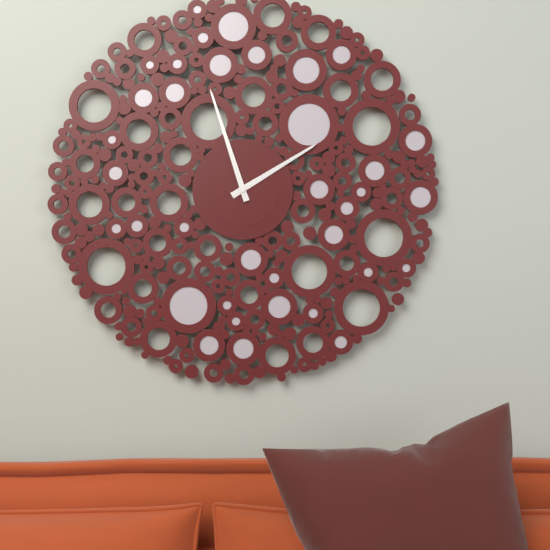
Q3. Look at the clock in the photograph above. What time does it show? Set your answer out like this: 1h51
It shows 1h57
